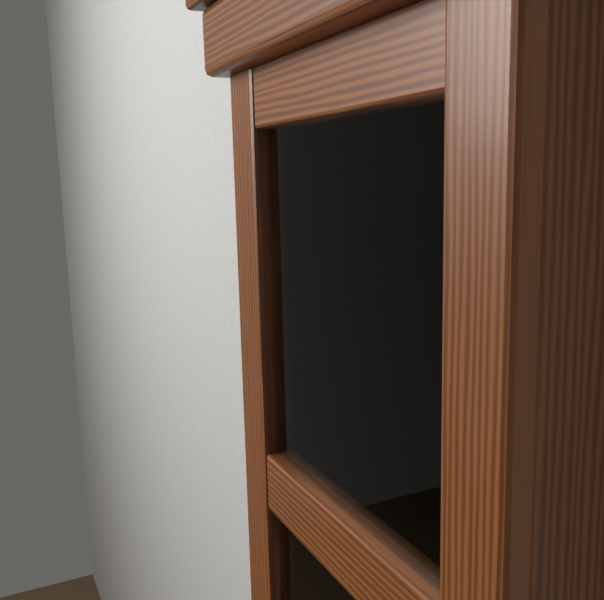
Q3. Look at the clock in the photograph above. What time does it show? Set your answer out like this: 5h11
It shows 9h52
